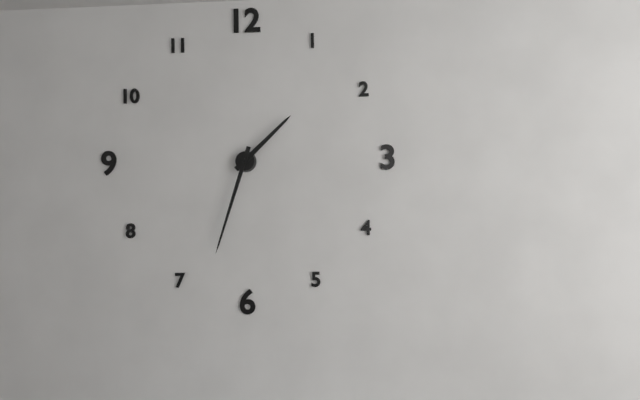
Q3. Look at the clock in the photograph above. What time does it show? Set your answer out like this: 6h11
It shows 1h33
